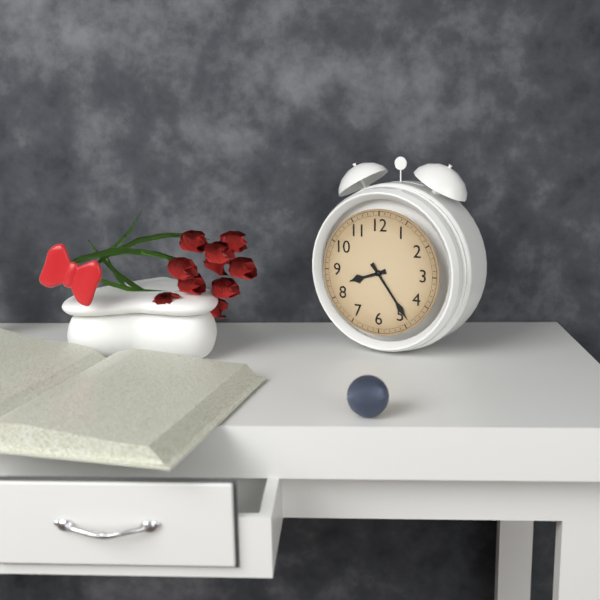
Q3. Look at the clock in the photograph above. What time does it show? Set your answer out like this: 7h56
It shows 8h24
